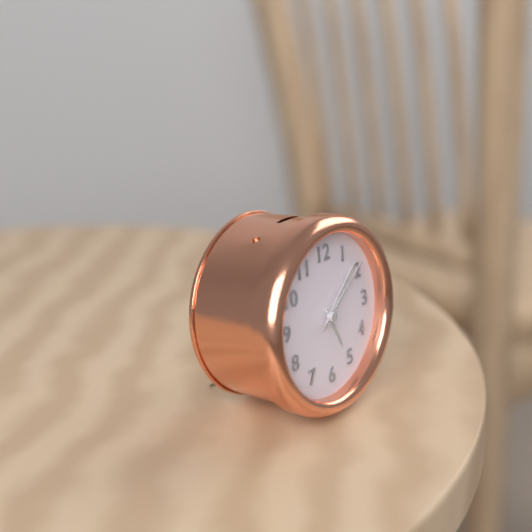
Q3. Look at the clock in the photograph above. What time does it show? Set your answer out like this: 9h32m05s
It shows 5h08m09s
